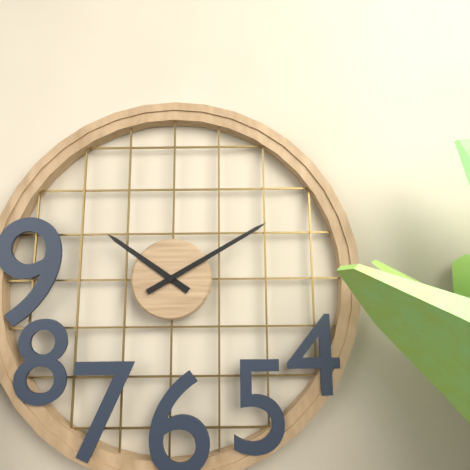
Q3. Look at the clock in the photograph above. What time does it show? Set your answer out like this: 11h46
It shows 10h10
